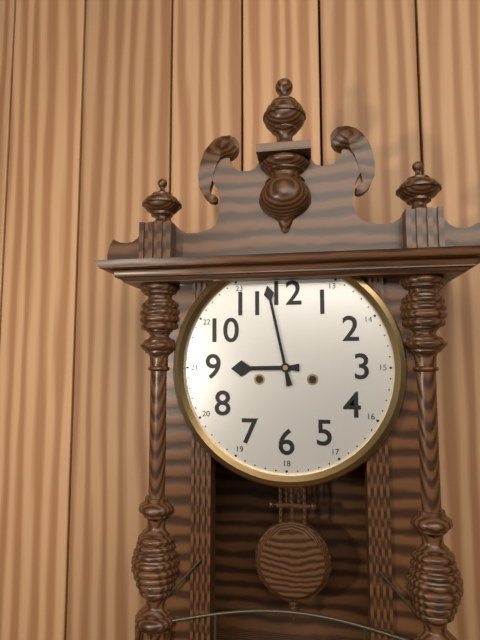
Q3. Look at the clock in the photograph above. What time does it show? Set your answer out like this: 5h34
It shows 8h58
